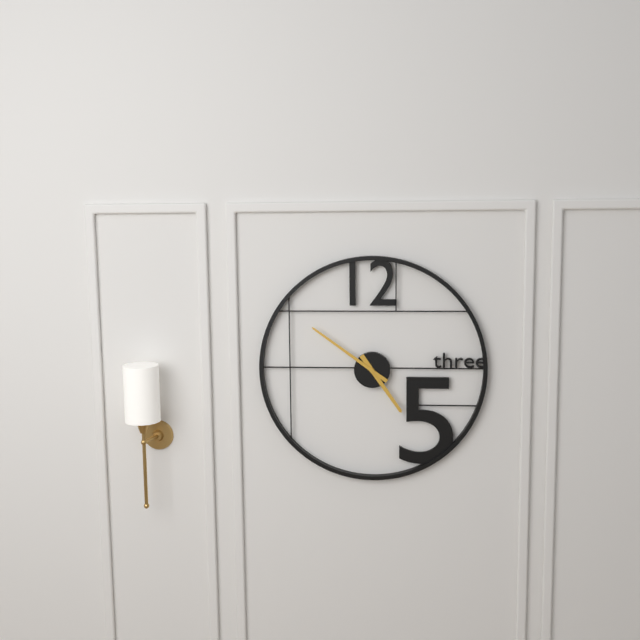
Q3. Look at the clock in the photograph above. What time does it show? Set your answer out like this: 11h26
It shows 4h51
